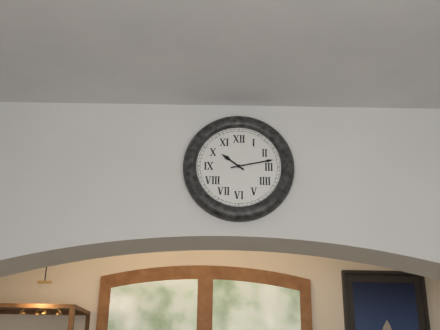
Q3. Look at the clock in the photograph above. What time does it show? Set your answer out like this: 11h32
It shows 10h13
